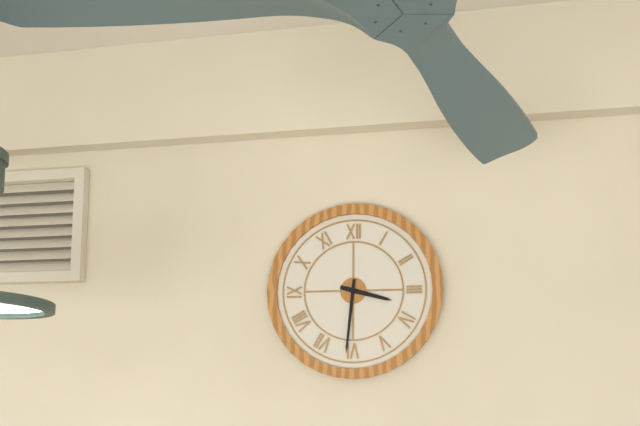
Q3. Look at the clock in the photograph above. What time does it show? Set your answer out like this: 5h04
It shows 3h31
